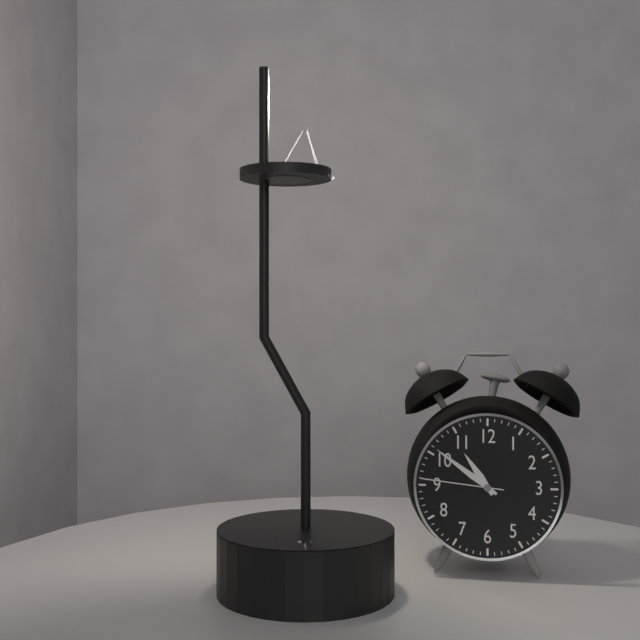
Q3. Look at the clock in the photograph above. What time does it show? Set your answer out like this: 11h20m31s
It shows 10h51m46s
